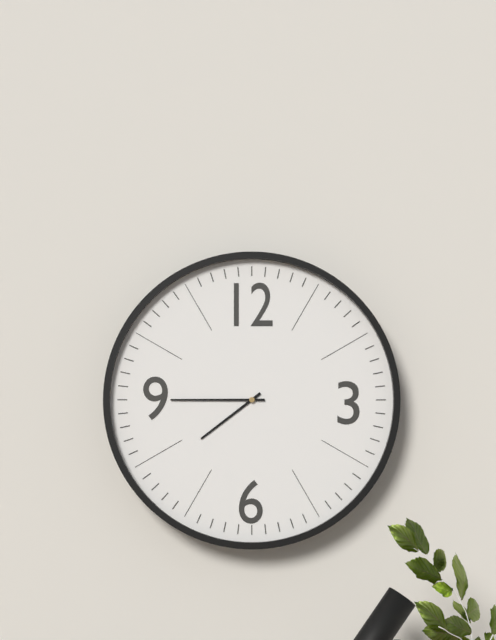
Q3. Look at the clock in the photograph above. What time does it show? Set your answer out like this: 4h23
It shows 7h45
